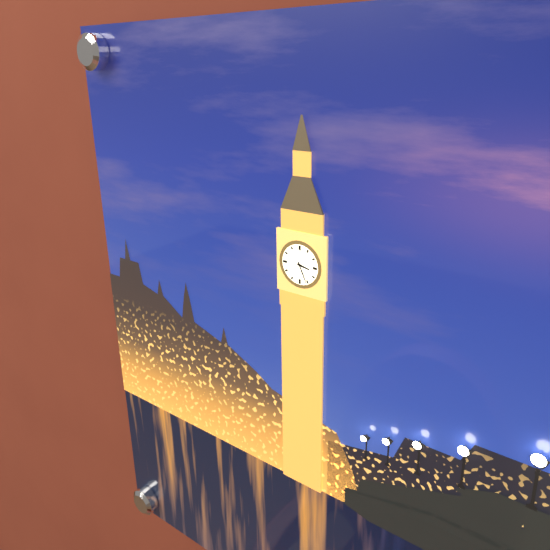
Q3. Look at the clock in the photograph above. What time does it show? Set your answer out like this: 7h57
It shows 3h26
